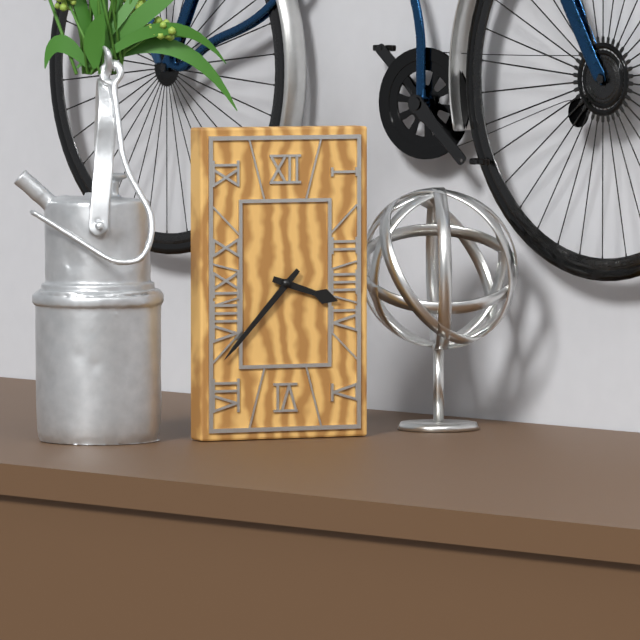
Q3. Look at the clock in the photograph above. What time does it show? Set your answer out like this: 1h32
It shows 3h37
